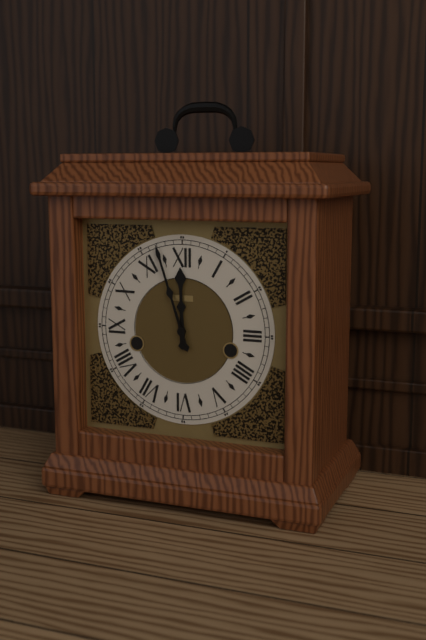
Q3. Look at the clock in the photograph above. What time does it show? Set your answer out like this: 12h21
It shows 11h57
